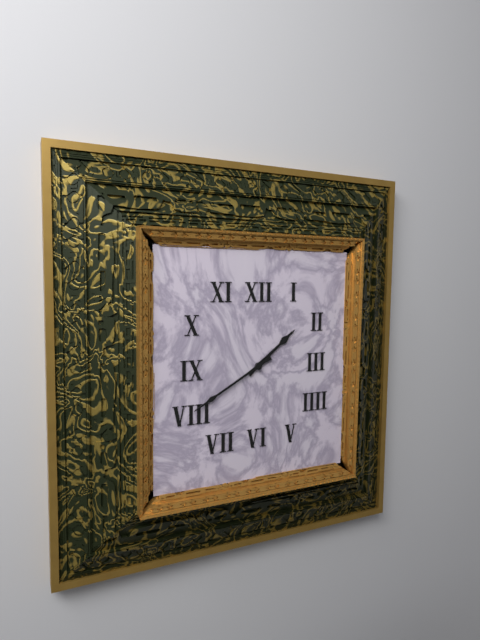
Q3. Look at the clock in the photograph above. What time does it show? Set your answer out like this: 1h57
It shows 1h40
